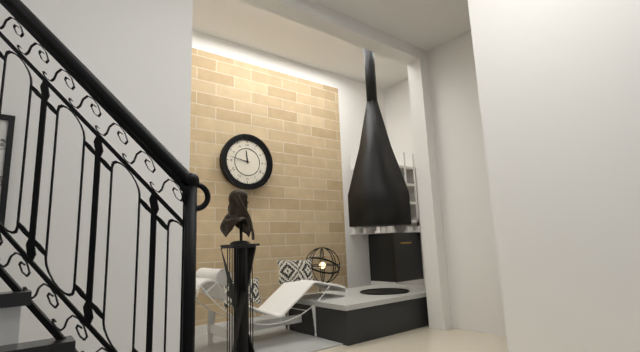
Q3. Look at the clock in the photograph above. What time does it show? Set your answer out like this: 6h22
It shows 11h47
